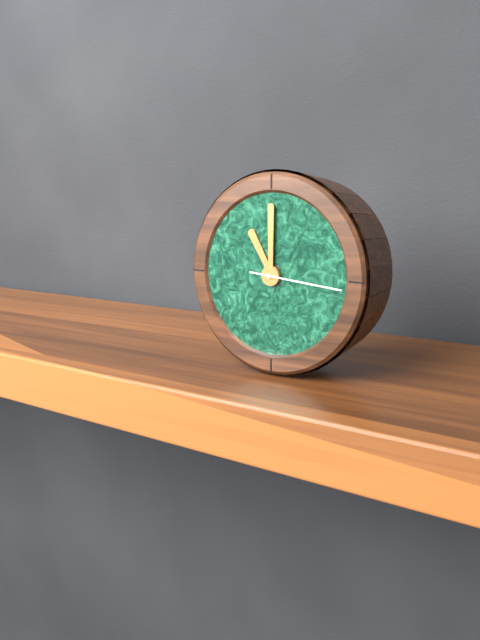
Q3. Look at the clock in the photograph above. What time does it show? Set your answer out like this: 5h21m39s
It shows 11h00m16s
